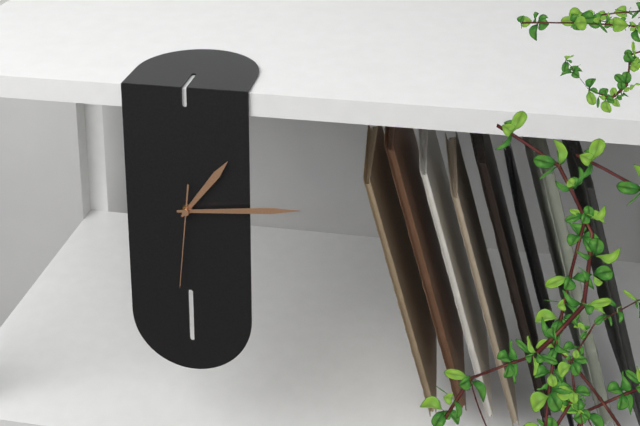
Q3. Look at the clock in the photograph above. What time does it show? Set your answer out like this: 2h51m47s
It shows 1h14m31s
